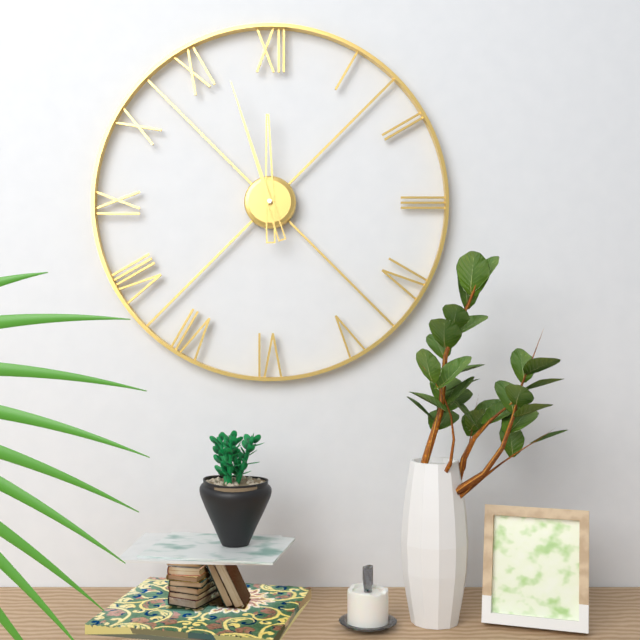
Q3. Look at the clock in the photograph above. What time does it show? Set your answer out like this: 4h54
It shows 11h57
